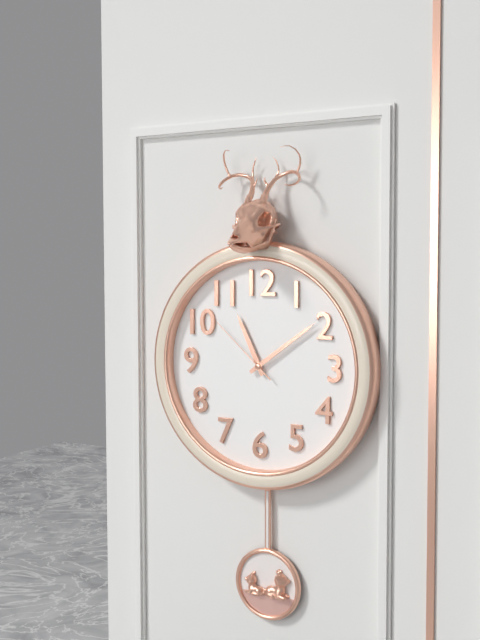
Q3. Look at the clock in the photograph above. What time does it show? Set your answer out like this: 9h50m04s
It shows 11h09m52s
